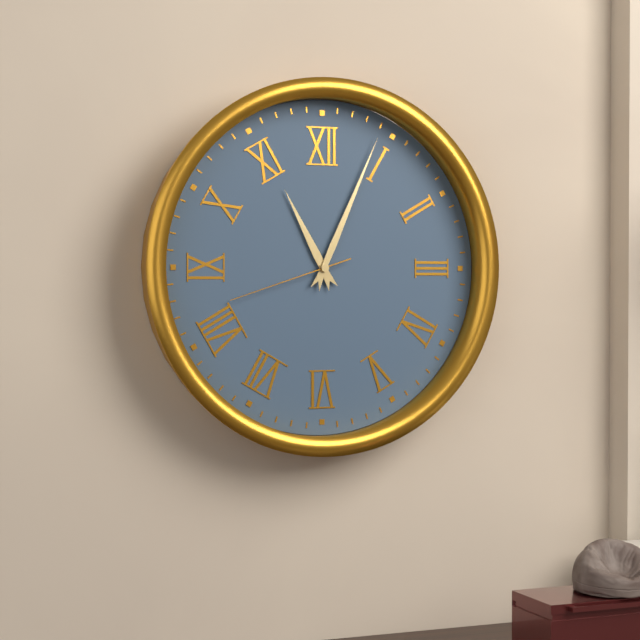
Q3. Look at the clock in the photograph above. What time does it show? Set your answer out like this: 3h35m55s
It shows 11h04m42s
